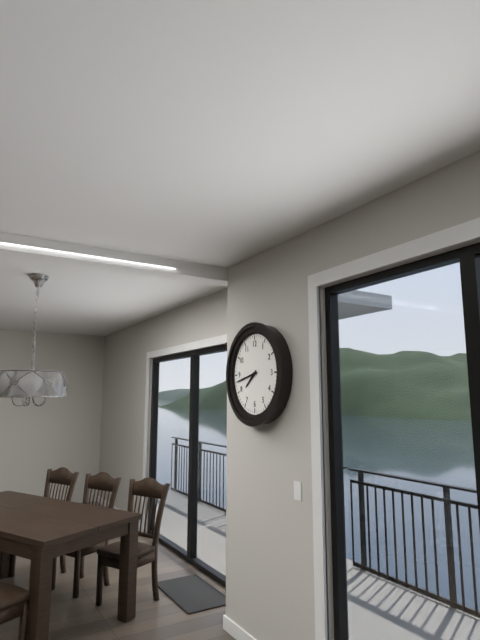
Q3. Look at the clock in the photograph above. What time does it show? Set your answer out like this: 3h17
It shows 7h43
